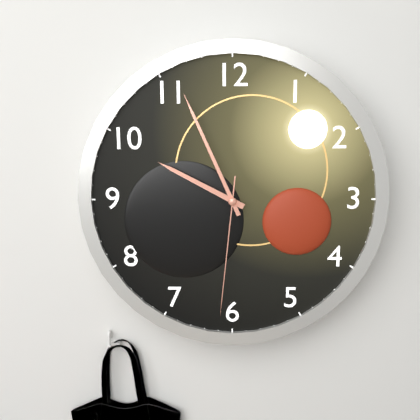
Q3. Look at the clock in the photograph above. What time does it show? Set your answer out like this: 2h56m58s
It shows 9h56m31s
